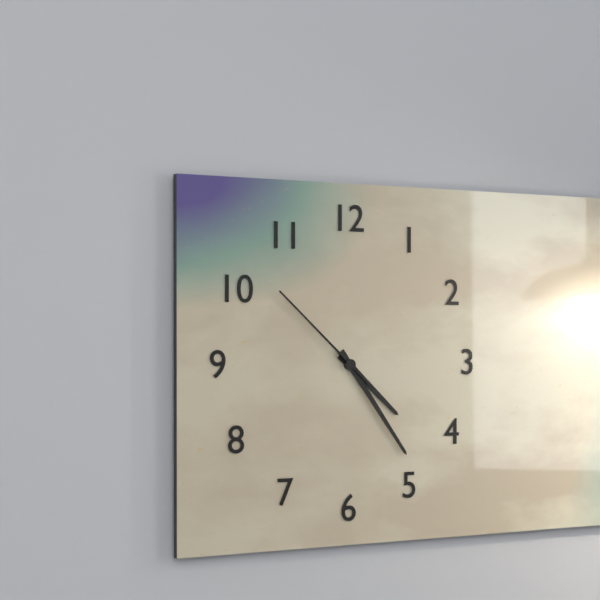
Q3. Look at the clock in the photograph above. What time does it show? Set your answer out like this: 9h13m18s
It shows 4h24m52s
